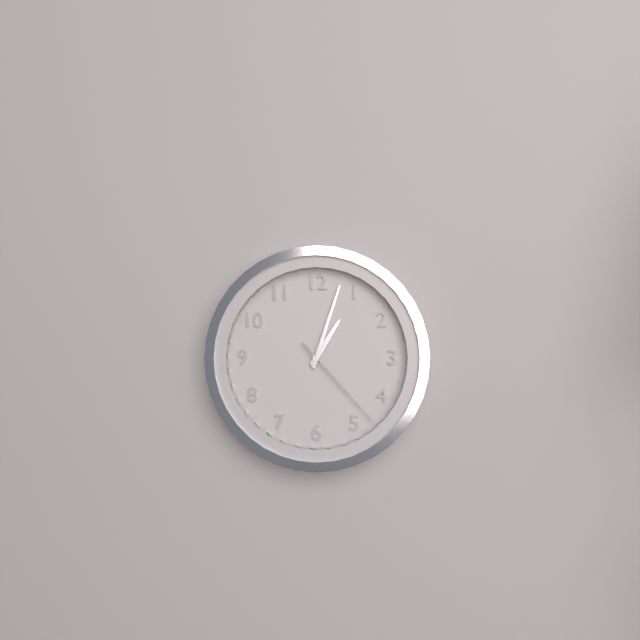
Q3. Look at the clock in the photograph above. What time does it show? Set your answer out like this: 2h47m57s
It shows 1h03m23s
